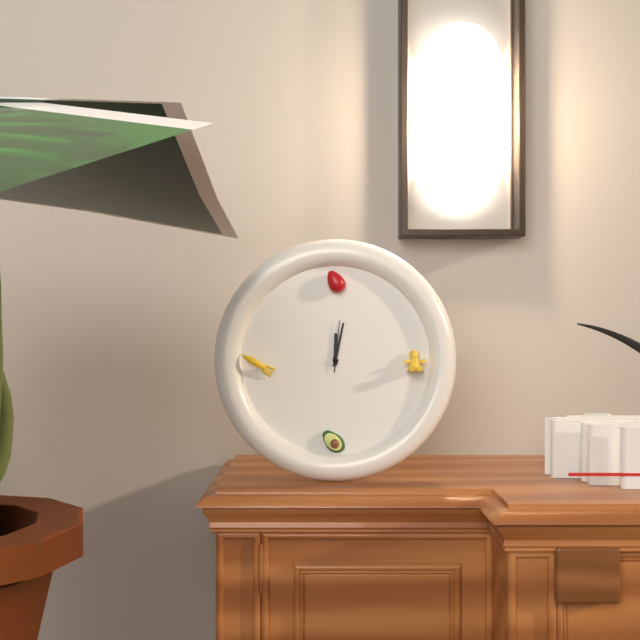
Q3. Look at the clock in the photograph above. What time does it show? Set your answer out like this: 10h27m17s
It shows 12h02m01s
